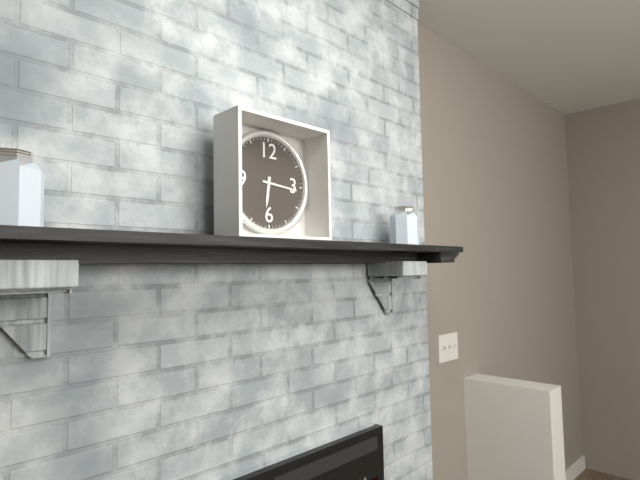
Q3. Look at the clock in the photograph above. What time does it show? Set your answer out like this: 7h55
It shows 6h16
